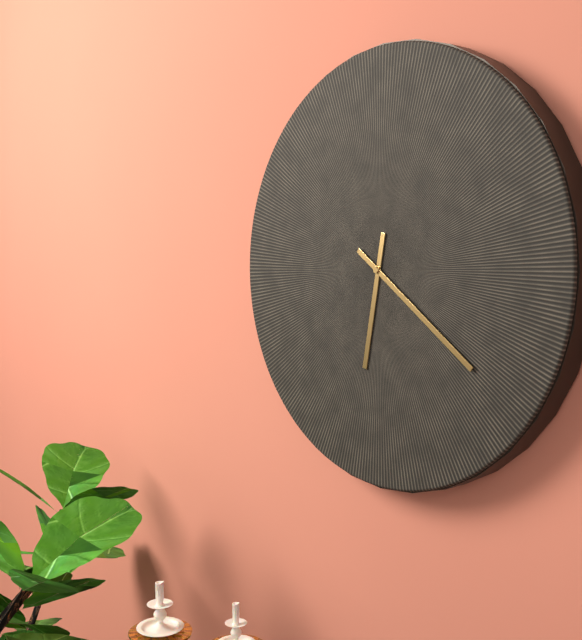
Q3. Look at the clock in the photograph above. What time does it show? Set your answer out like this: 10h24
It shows 6h21
